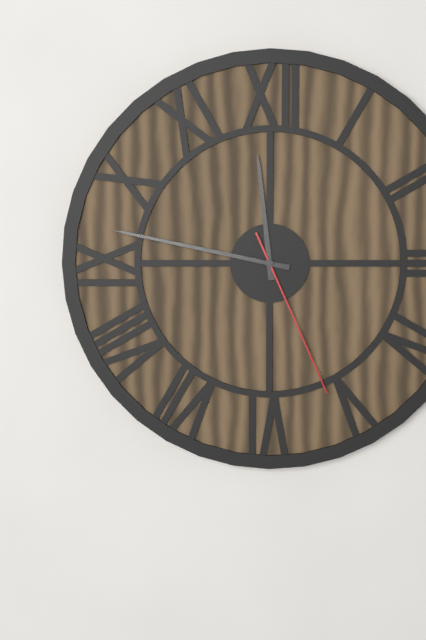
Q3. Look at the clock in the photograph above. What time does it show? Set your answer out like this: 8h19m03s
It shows 11h47m26s
